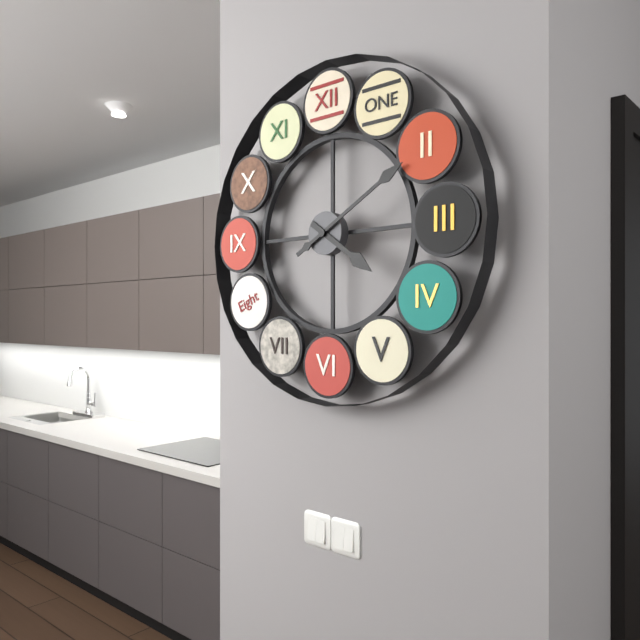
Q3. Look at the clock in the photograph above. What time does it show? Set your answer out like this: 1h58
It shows 4h10
